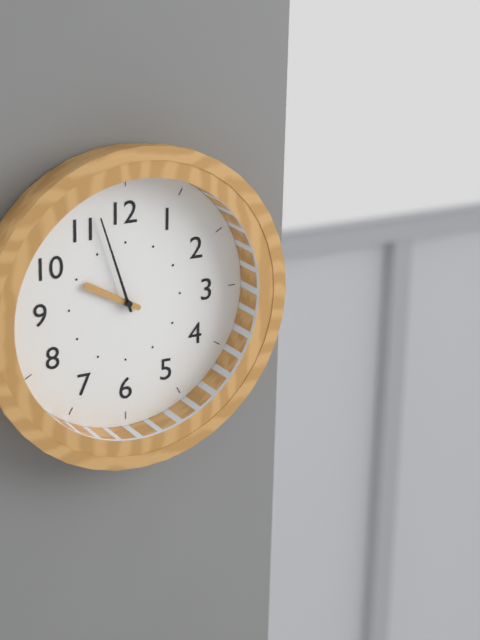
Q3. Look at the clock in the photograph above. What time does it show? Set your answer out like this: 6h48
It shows 9h57
